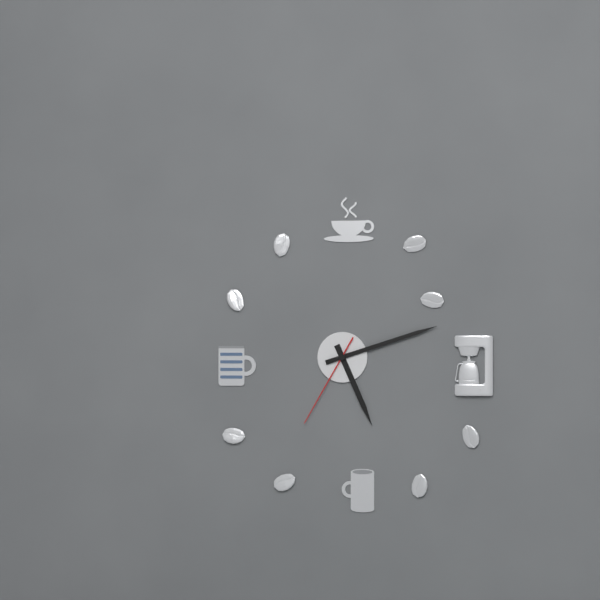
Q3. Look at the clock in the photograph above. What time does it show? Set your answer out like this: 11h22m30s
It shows 5h12m35s
